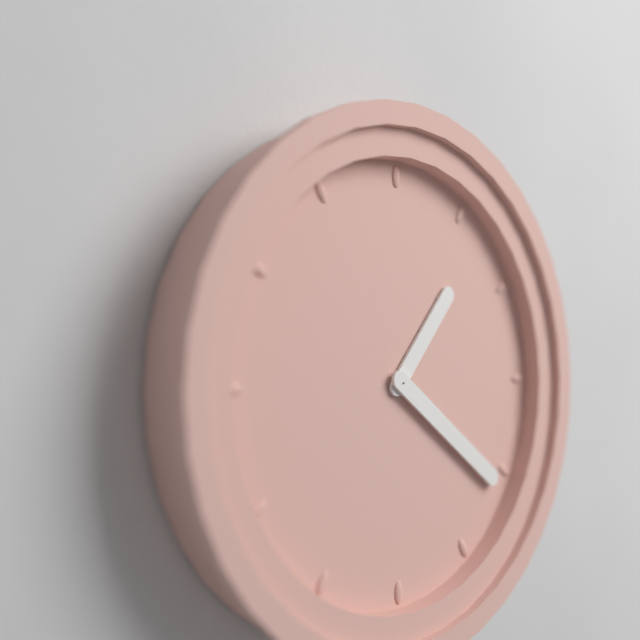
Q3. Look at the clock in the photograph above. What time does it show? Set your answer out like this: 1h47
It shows 1h21
